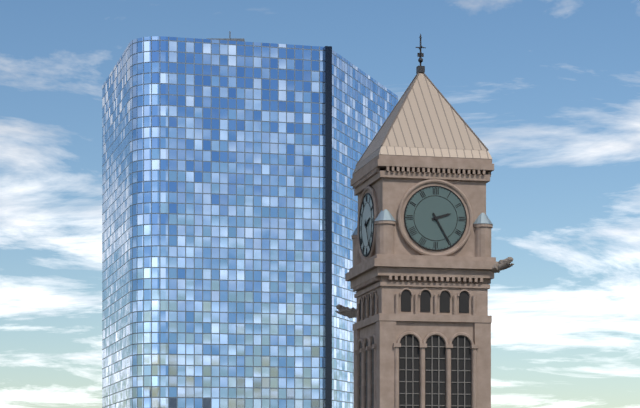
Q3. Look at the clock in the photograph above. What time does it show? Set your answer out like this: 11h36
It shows 2h25
